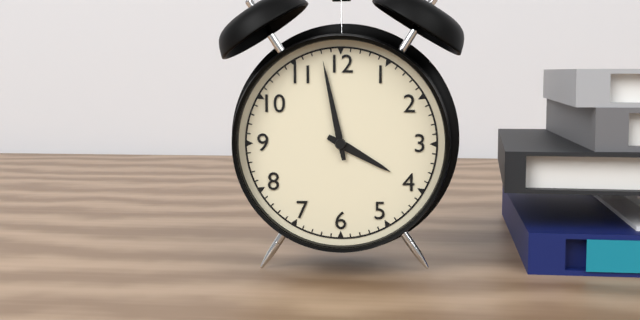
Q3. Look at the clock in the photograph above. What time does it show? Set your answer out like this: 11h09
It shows 3h58
